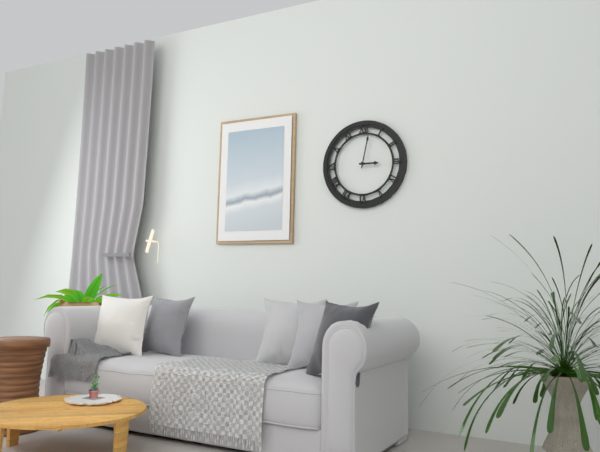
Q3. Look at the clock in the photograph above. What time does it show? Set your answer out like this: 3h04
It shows 3h02
